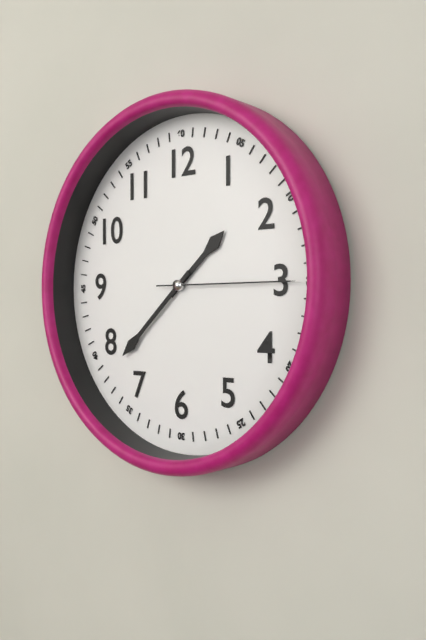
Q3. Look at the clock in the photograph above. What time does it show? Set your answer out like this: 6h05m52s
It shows 1h38m15s
